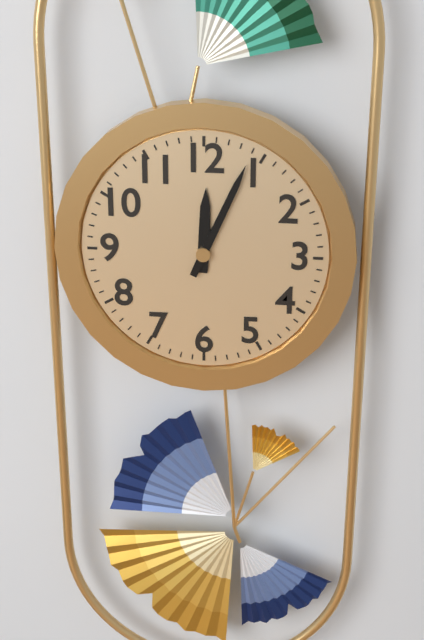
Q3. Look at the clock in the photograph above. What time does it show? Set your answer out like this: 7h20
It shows 12h04
